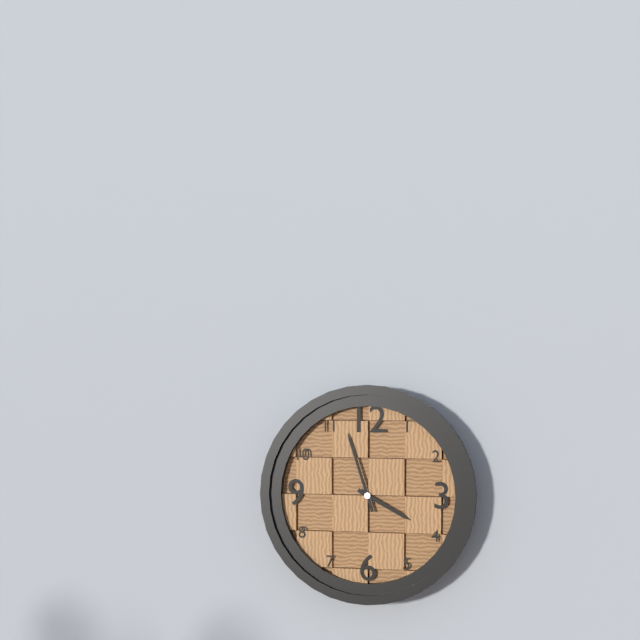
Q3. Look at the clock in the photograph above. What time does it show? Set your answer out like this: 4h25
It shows 3h57
